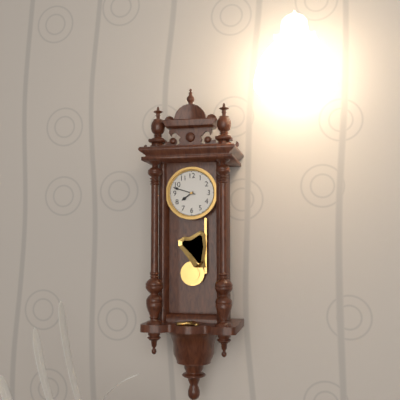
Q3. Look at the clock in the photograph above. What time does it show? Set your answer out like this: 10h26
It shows 7h48
